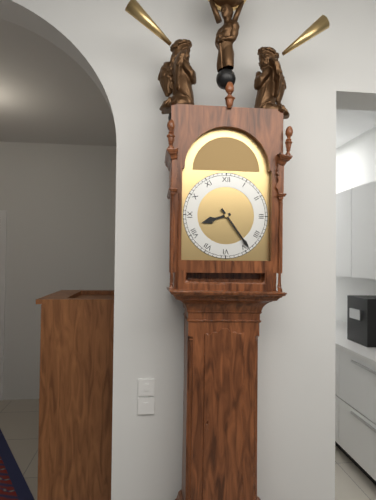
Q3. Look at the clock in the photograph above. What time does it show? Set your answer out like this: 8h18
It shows 8h24
